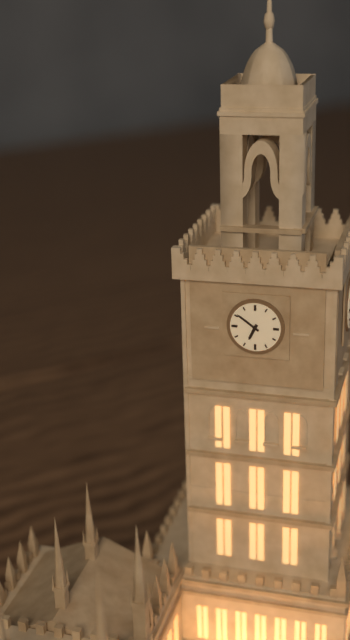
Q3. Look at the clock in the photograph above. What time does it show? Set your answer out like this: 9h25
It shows 6h51
